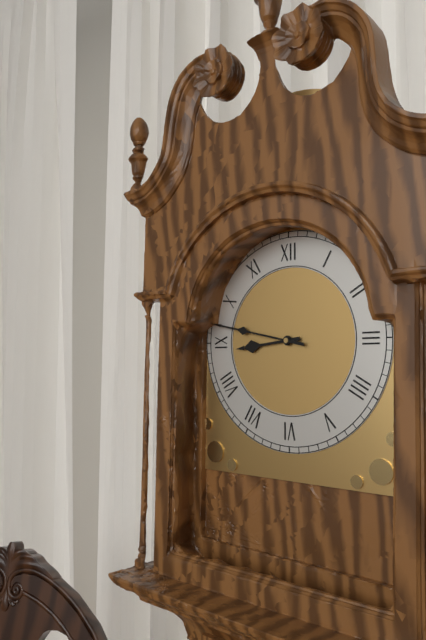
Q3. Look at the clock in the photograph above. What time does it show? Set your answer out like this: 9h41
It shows 8h47
